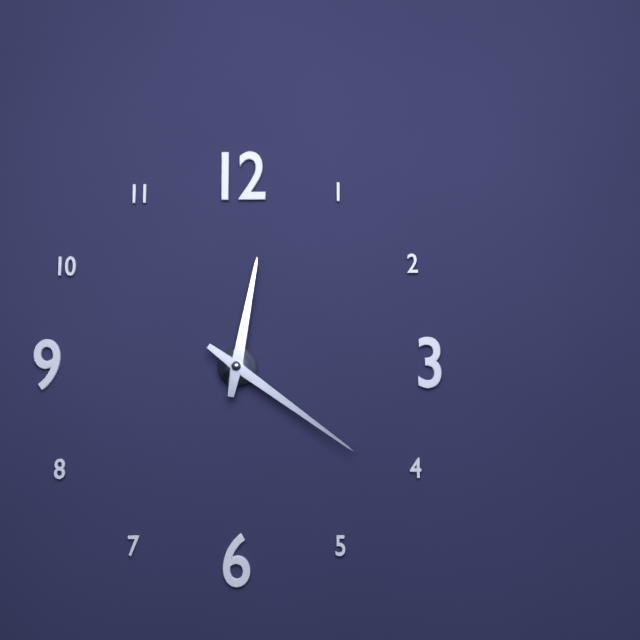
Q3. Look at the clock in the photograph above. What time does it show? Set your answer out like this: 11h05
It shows 12h21
